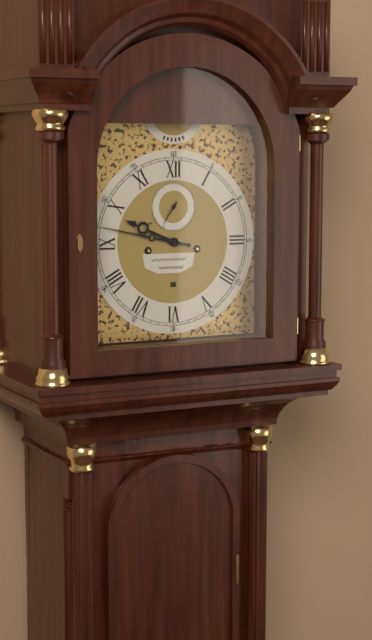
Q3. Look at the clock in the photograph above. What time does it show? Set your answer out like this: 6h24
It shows 9h47
